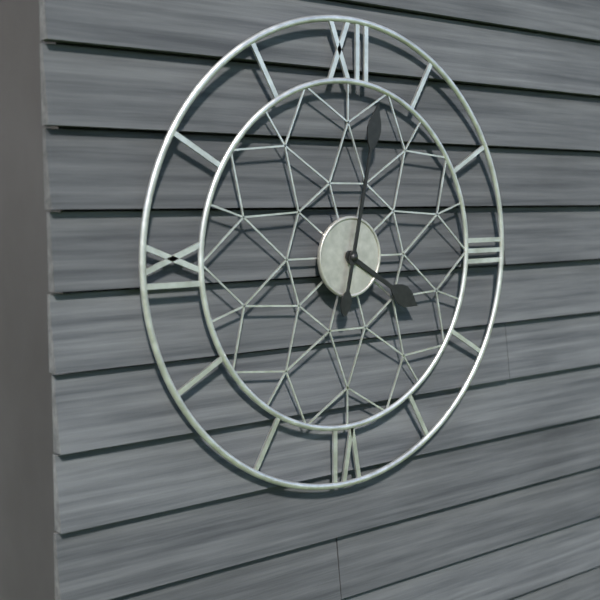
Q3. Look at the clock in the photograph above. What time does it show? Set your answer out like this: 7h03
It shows 4h02
